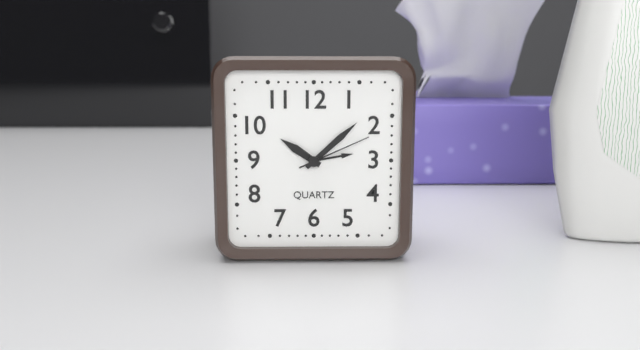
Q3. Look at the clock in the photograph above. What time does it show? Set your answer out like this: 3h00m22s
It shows 10h08m11s
